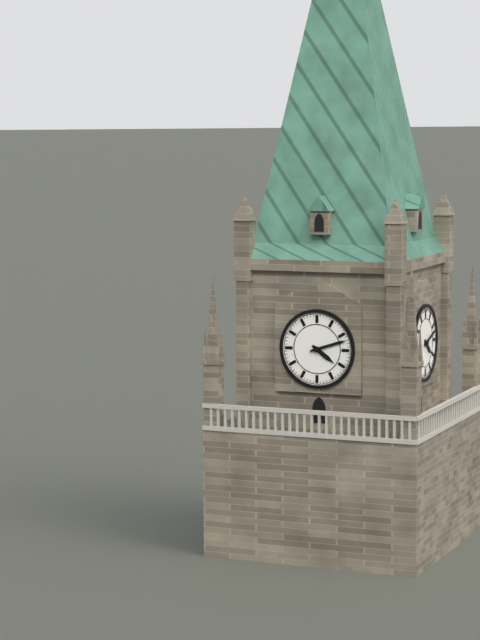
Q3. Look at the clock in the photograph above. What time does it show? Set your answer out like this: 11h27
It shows 4h12
